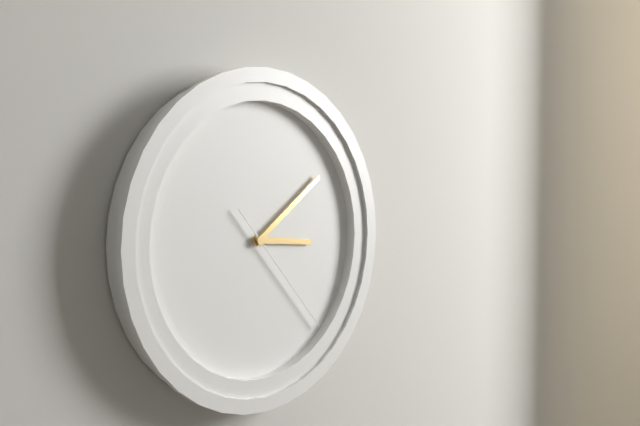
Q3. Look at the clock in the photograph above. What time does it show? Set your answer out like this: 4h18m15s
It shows 3h09m23s
